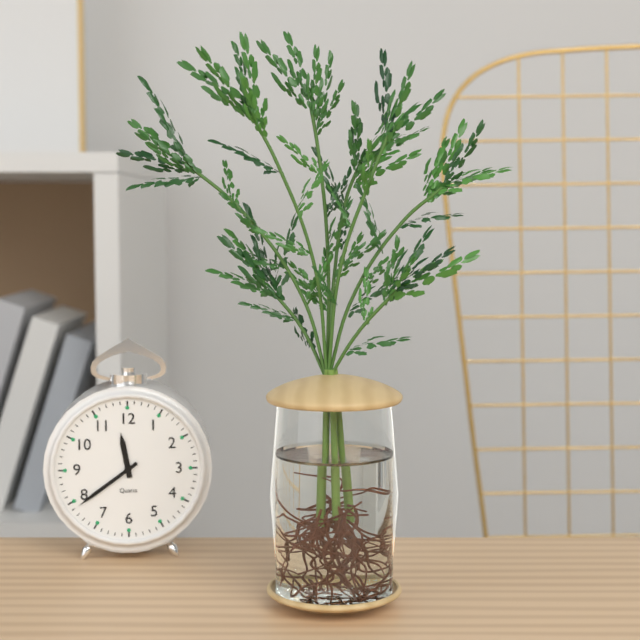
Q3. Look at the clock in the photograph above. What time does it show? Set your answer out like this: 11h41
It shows 11h39
